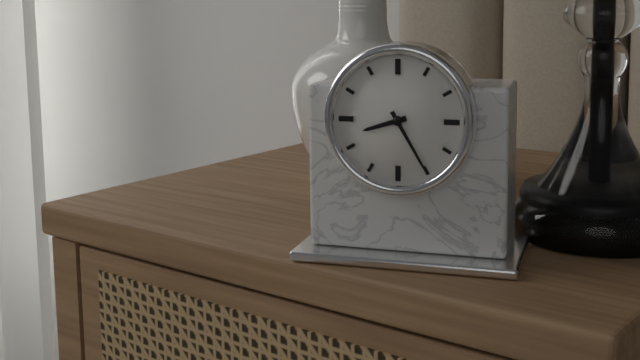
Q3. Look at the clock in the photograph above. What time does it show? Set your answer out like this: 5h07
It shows 8h25
